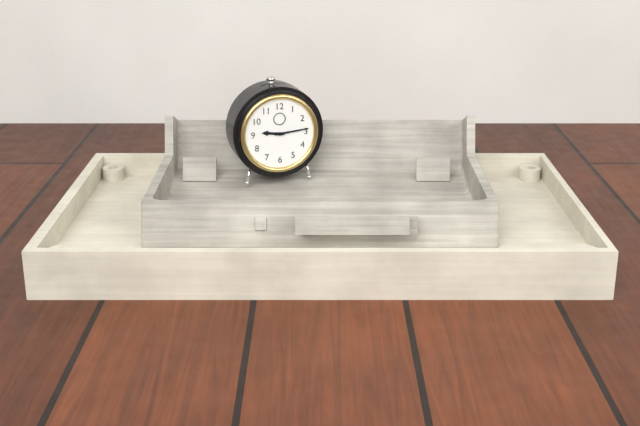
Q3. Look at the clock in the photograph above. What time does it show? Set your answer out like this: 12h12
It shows 9h14
